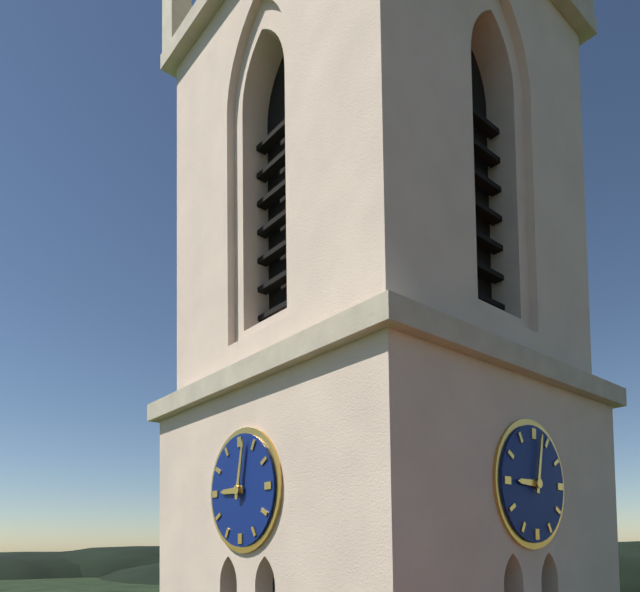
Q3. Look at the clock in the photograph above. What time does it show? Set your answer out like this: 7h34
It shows 9h02
